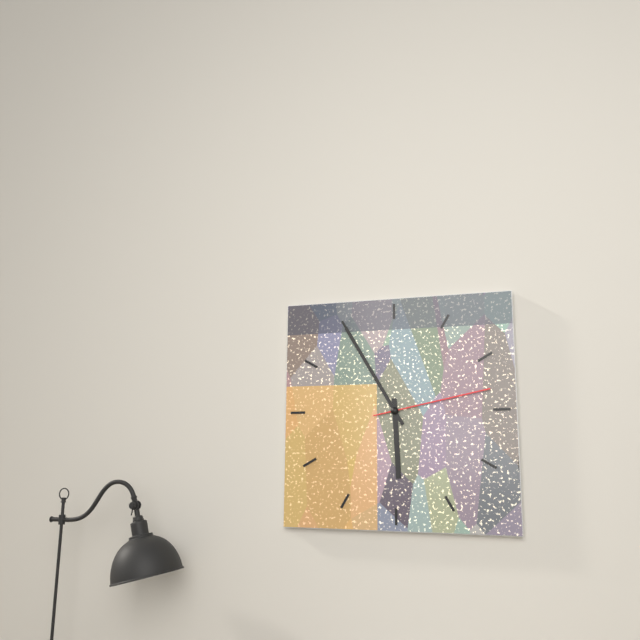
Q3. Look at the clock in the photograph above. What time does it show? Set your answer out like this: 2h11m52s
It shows 5h55m13s
